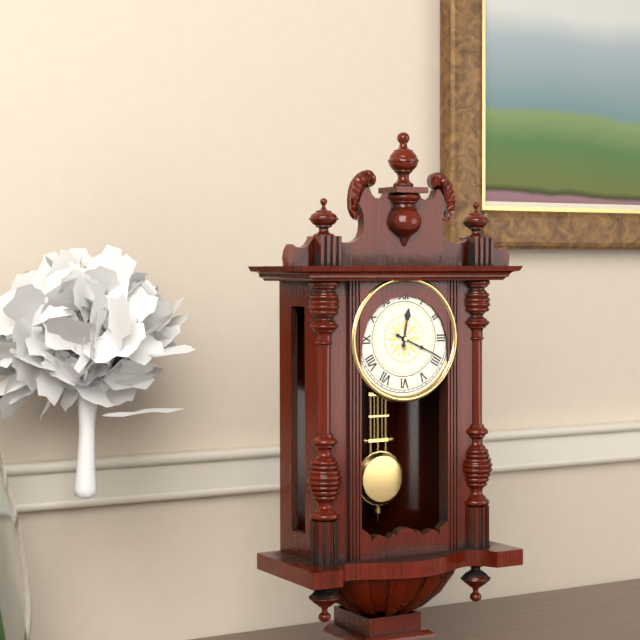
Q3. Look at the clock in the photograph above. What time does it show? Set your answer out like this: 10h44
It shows 12h19
